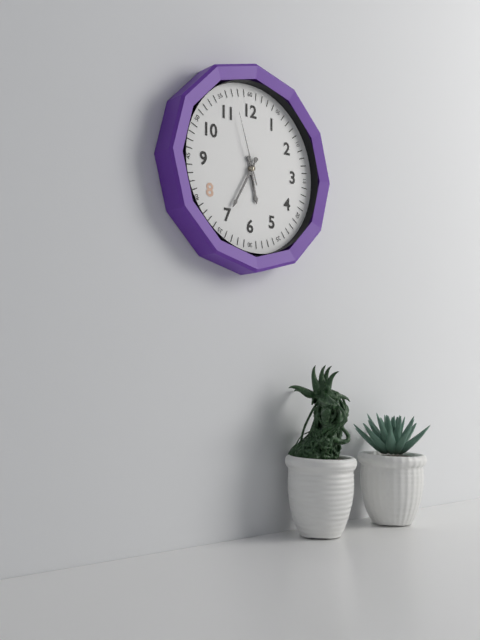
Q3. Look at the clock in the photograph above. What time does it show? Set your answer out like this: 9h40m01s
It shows 5h35m57s
